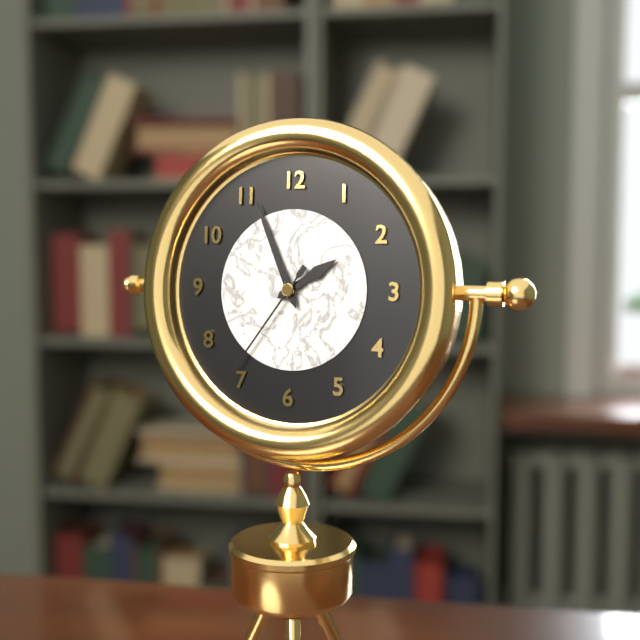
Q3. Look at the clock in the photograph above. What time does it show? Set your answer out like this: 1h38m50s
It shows 1h56m36s
